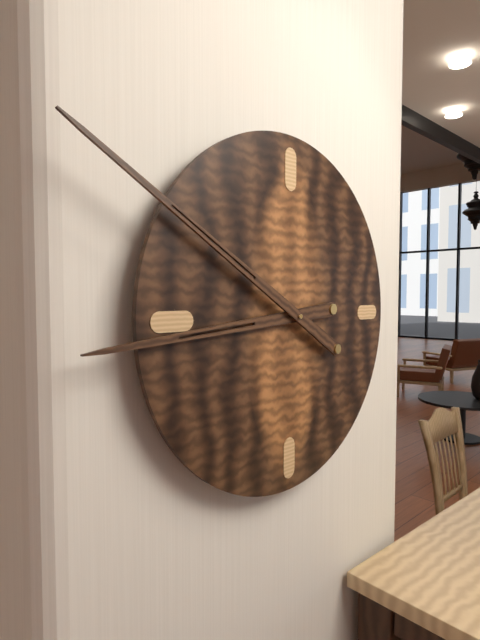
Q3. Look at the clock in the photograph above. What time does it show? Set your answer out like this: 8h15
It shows 8h50
